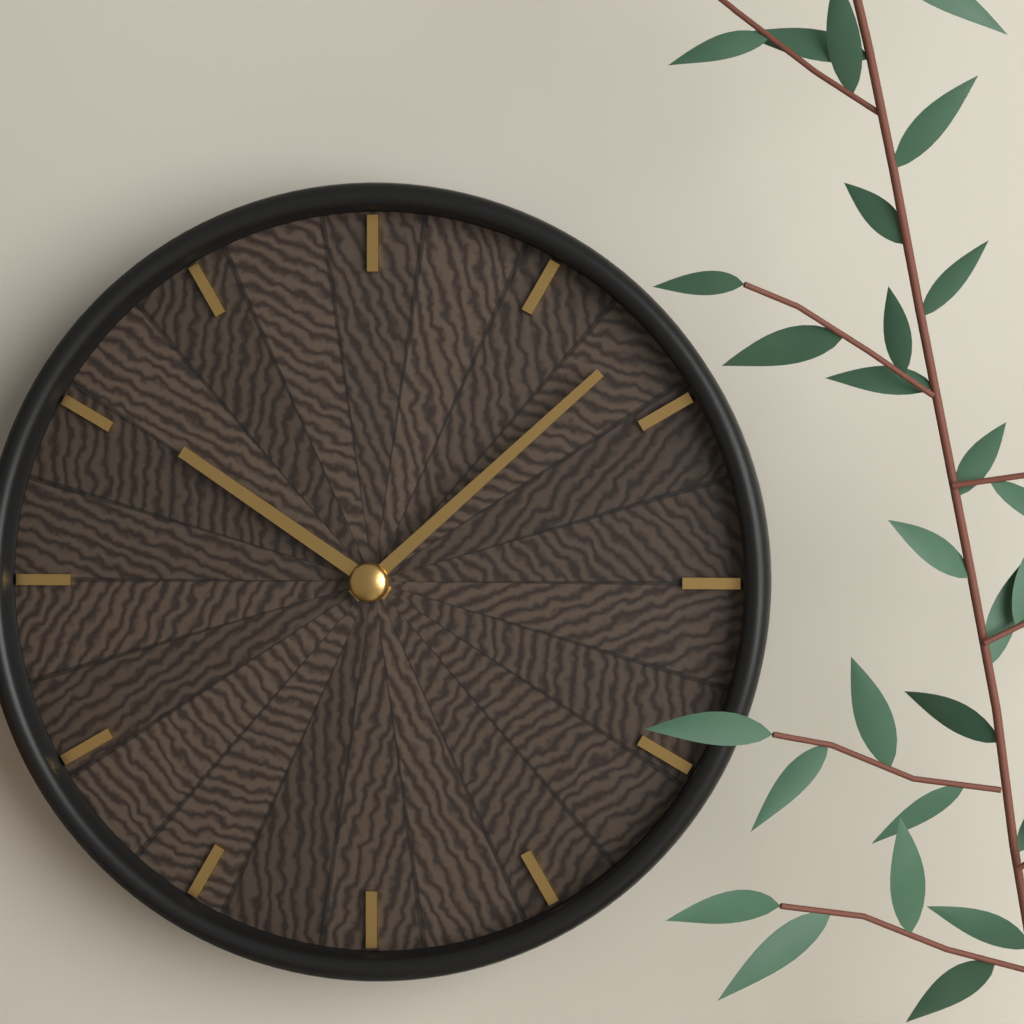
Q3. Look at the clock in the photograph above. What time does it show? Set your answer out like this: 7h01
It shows 10h08
